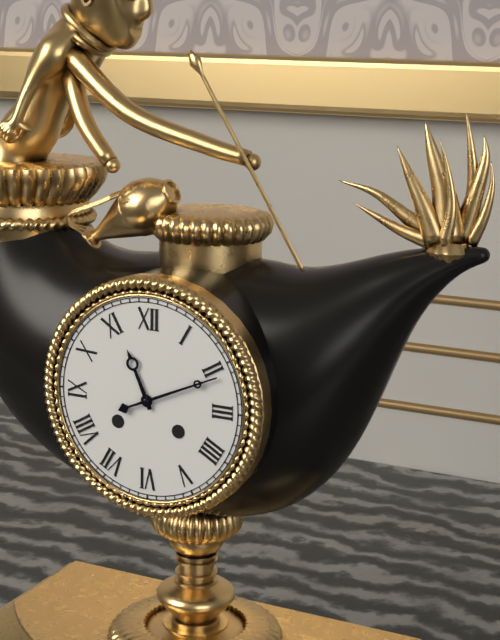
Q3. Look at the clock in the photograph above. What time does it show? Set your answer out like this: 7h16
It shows 11h11
